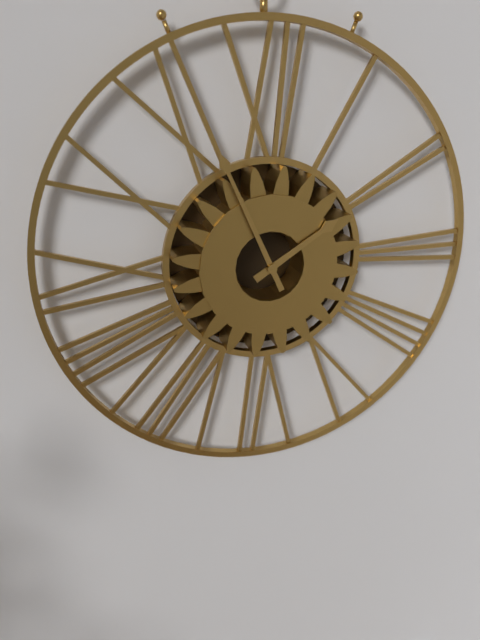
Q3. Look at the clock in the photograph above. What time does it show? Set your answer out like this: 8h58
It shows 1h56
